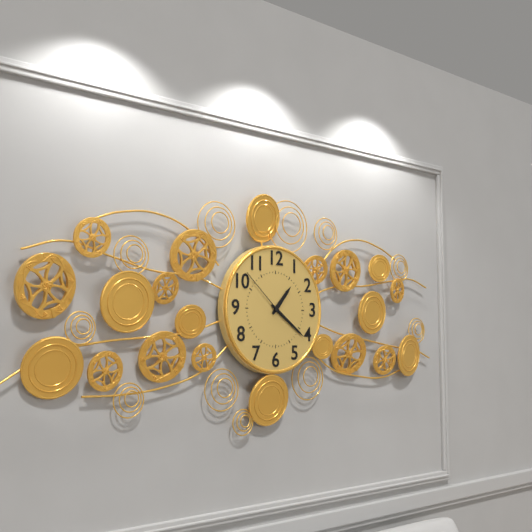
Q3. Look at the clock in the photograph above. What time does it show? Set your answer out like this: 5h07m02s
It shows 1h21m52s
